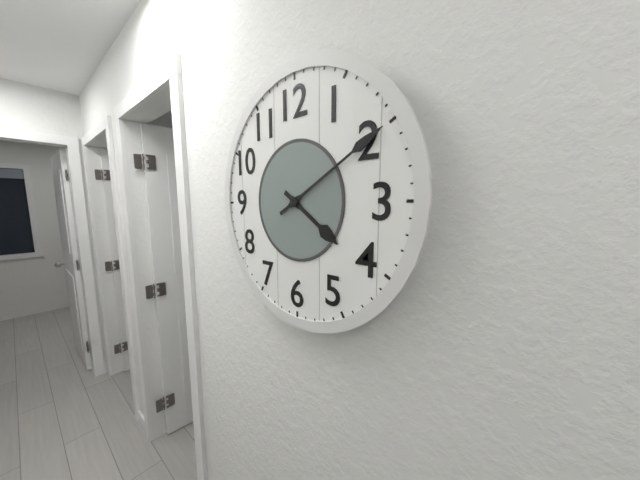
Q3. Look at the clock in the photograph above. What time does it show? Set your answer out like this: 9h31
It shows 4h10
